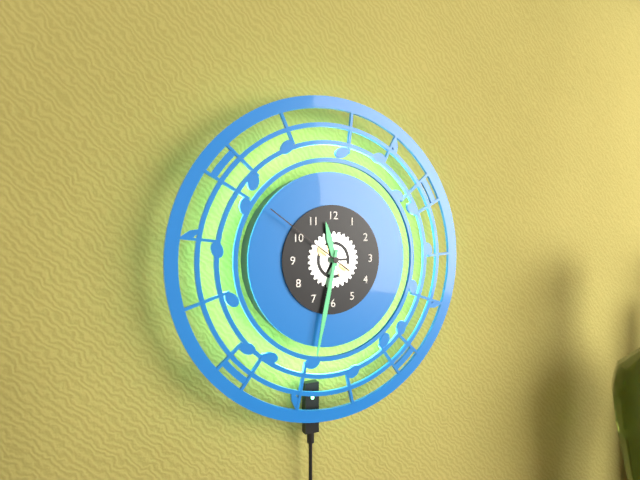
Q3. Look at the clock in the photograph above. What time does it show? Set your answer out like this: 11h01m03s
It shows 11h32m51s
